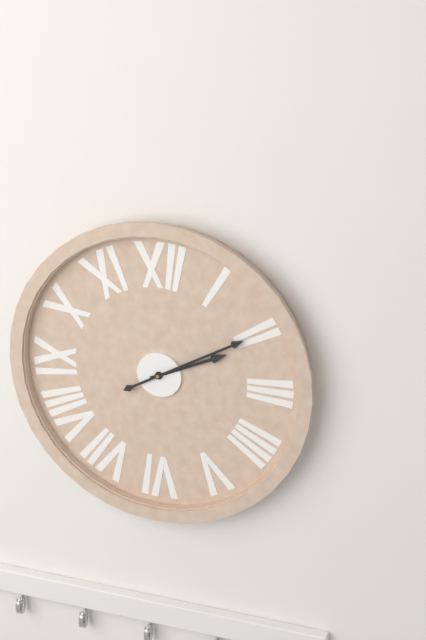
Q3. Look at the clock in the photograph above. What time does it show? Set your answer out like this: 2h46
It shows 2h10
